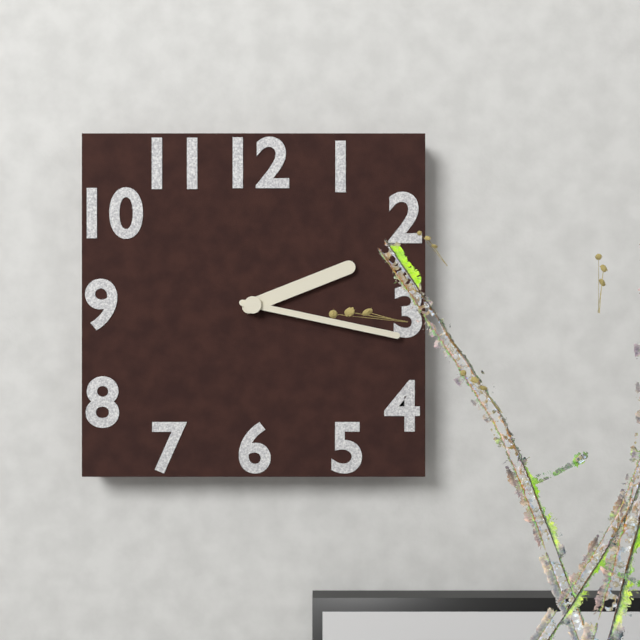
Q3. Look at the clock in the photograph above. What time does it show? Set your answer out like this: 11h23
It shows 2h17
